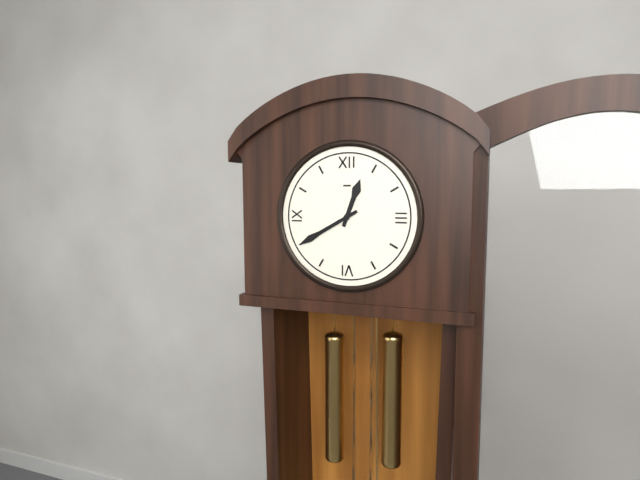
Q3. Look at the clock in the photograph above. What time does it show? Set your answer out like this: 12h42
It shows 12h40
